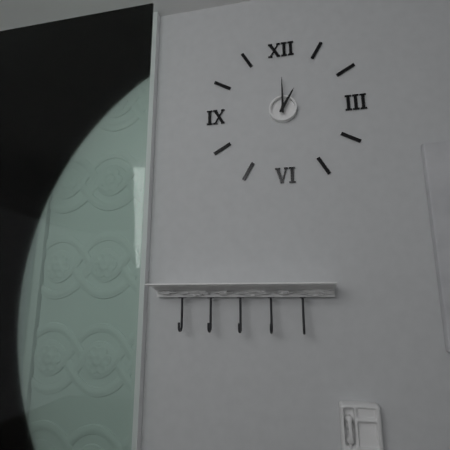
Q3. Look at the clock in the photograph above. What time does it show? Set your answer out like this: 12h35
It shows 1h00
